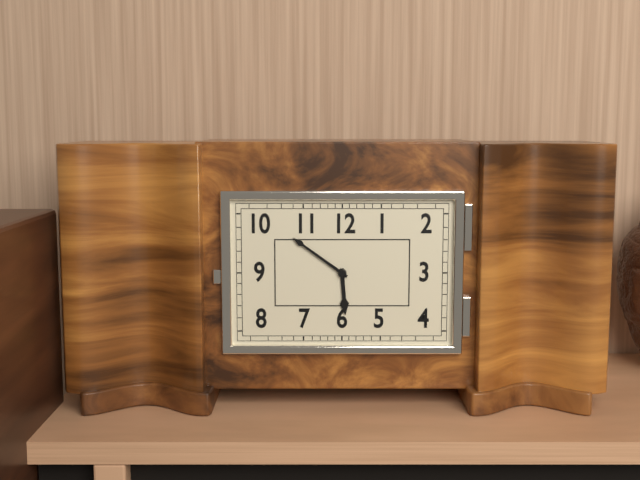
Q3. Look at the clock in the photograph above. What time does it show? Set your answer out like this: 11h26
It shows 5h51
